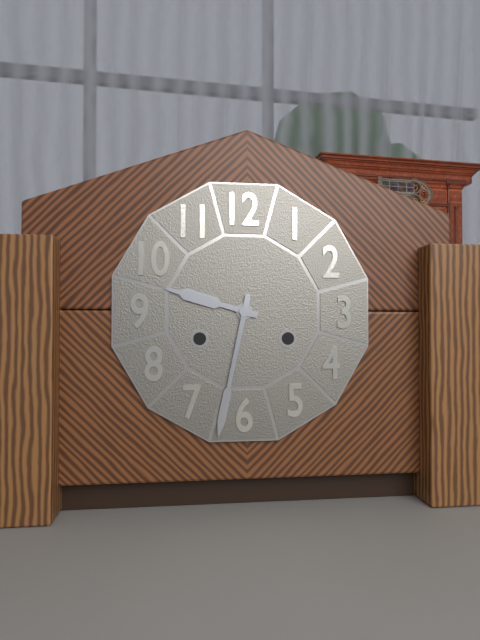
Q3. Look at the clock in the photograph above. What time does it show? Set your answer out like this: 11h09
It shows 9h32
